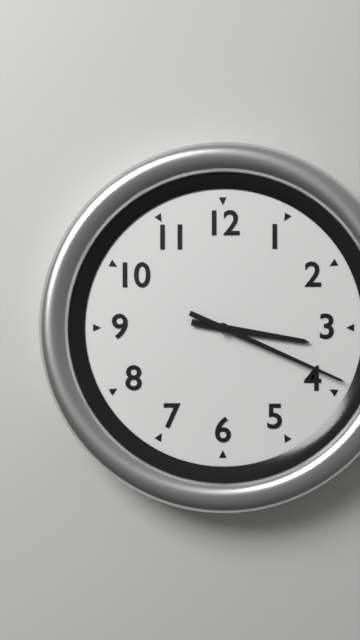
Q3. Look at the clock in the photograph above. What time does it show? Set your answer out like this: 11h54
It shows 3h19
